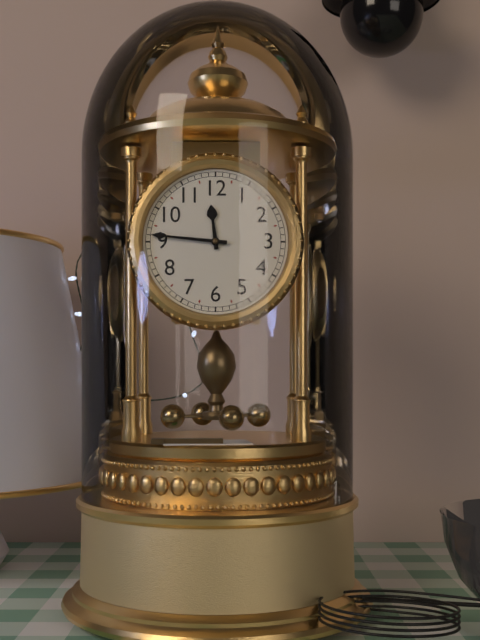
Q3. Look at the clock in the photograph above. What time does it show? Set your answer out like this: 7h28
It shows 11h46
